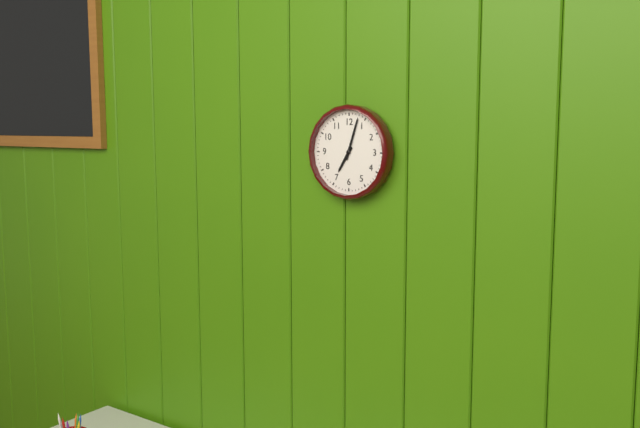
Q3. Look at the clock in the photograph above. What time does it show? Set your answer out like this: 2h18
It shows 7h03
